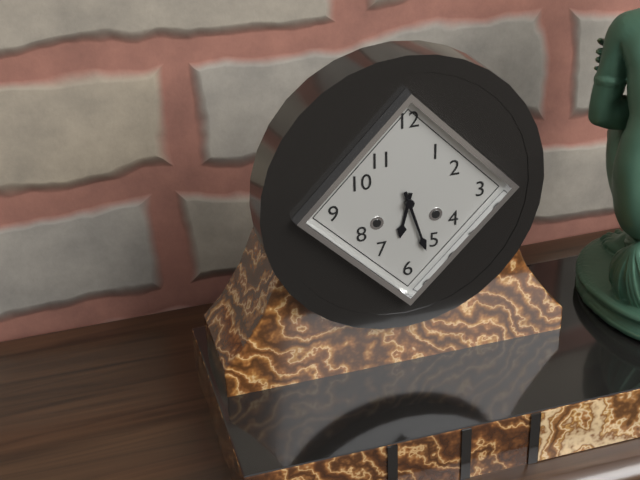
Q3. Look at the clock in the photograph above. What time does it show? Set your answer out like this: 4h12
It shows 6h27
